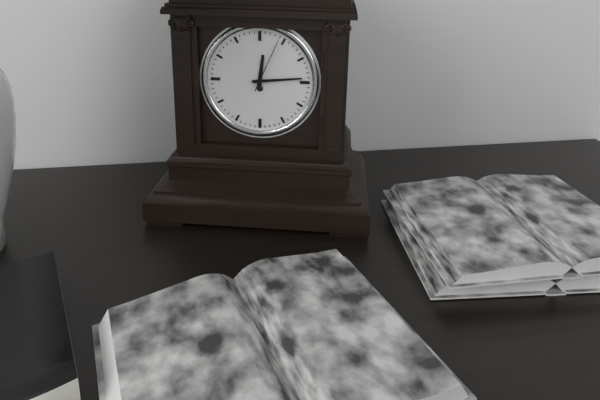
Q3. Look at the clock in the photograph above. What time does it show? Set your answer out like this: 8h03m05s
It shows 12h14m04s
